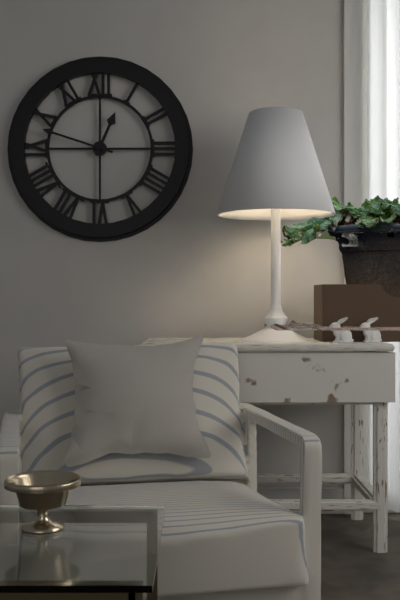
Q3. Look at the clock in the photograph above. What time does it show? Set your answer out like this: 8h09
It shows 12h48
